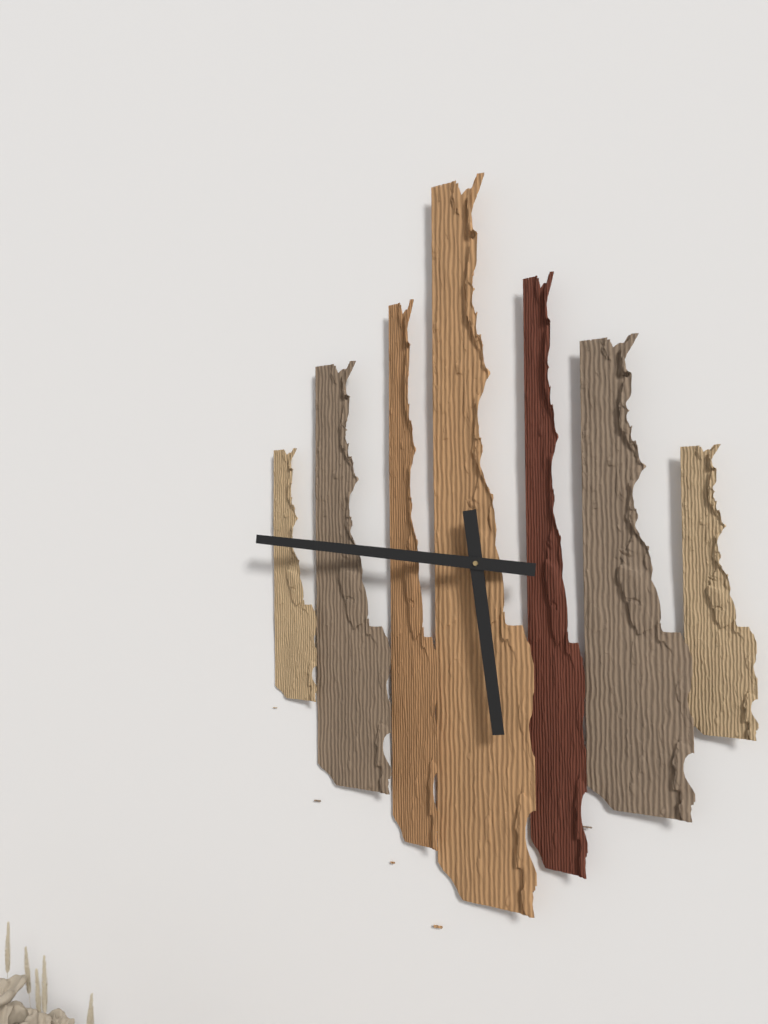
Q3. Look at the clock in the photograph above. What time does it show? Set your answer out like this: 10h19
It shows 5h46
